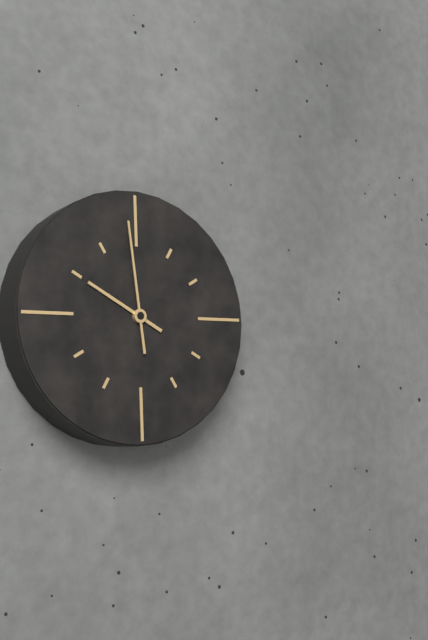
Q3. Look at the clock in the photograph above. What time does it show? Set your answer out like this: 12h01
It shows 9h59
